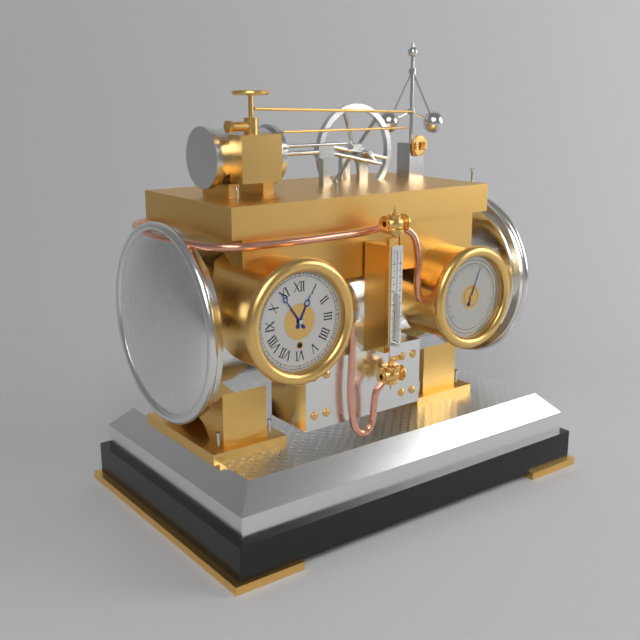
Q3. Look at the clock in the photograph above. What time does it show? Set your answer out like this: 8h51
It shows 12h54
